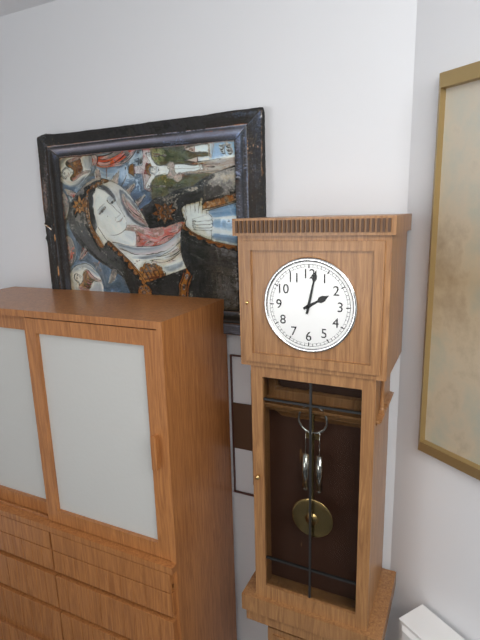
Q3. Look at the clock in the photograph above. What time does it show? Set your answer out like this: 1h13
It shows 2h02
